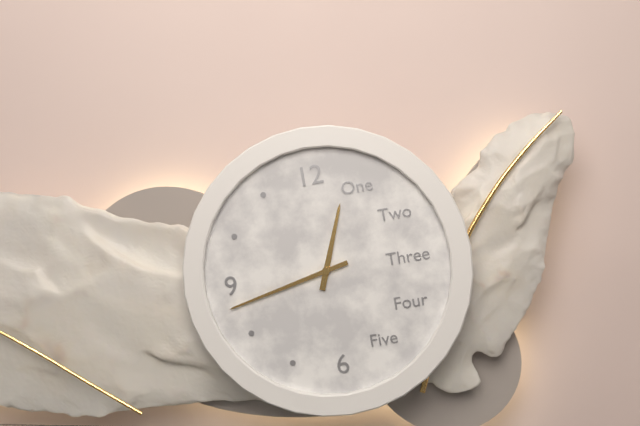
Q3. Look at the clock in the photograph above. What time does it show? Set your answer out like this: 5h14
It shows 12h43
